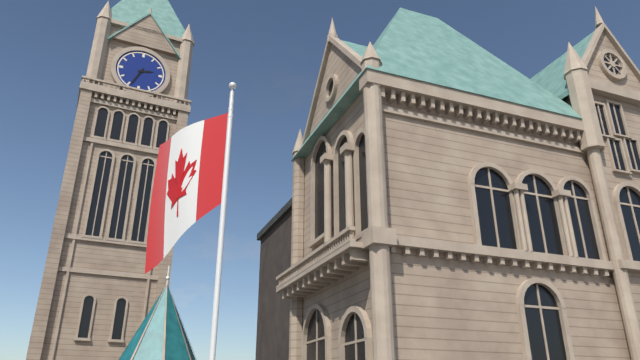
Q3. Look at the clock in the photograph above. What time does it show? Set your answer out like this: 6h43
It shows 2h34
